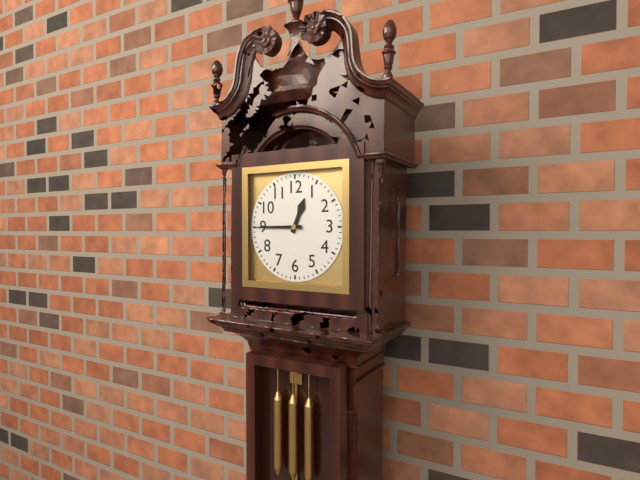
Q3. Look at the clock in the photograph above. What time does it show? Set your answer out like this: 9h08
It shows 12h45
